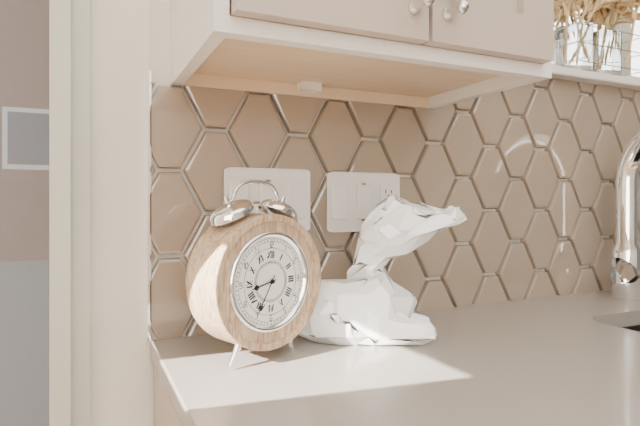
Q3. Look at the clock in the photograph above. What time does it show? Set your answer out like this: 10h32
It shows 8h35
